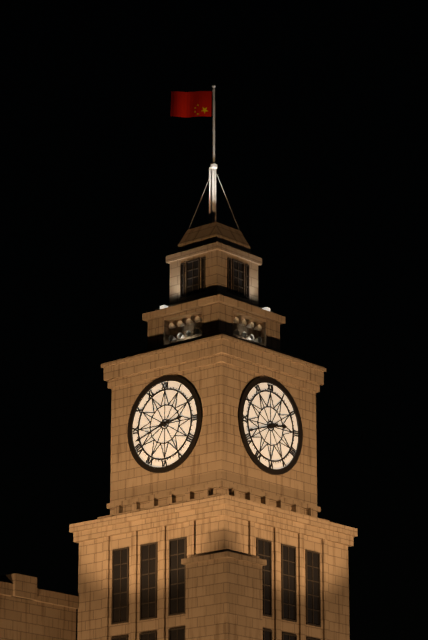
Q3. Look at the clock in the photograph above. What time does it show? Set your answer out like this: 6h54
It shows 2h42
